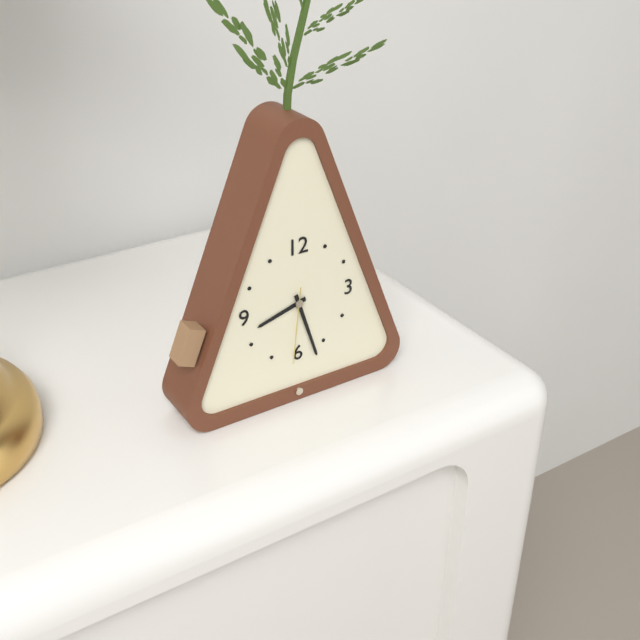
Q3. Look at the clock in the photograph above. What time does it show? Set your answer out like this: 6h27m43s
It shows 8h27m31s
